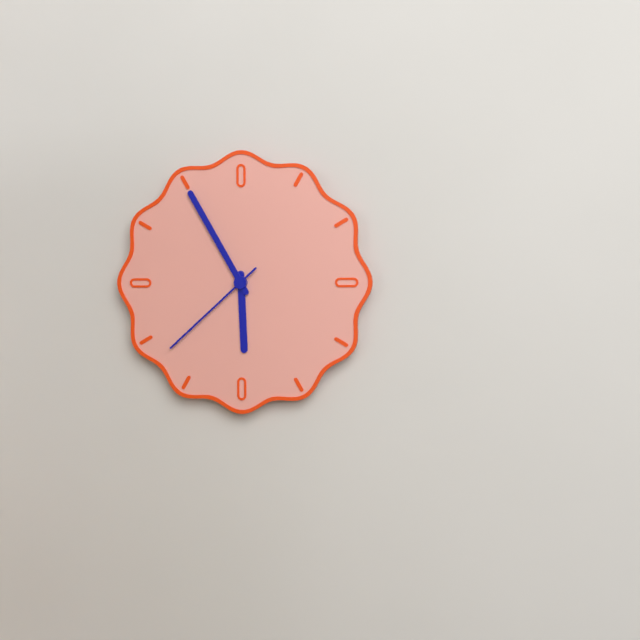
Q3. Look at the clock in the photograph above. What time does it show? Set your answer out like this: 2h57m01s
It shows 5h55m38s
